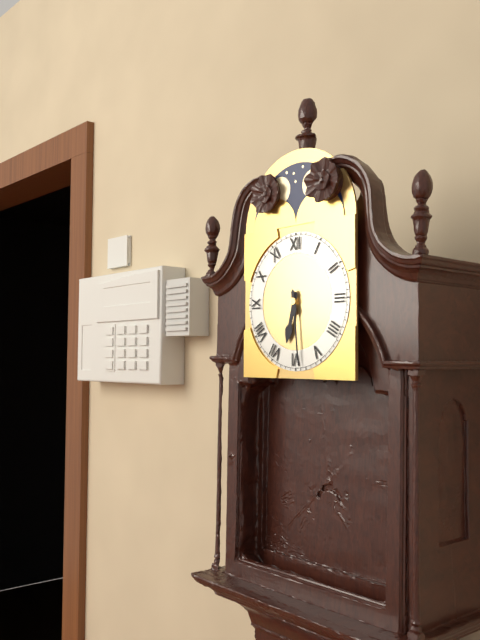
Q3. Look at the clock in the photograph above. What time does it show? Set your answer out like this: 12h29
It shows 6h29
